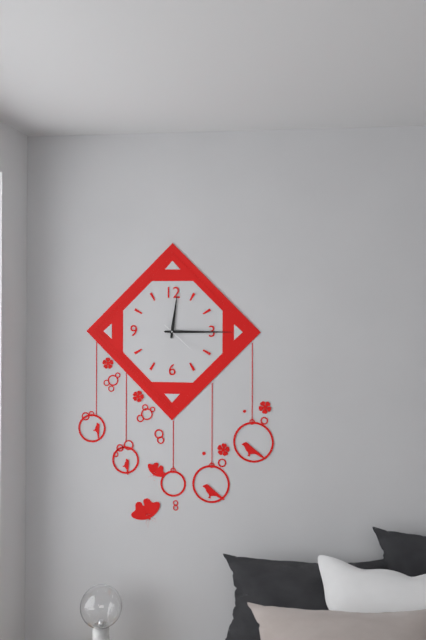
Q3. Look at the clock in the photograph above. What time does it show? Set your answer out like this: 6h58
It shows 12h15
